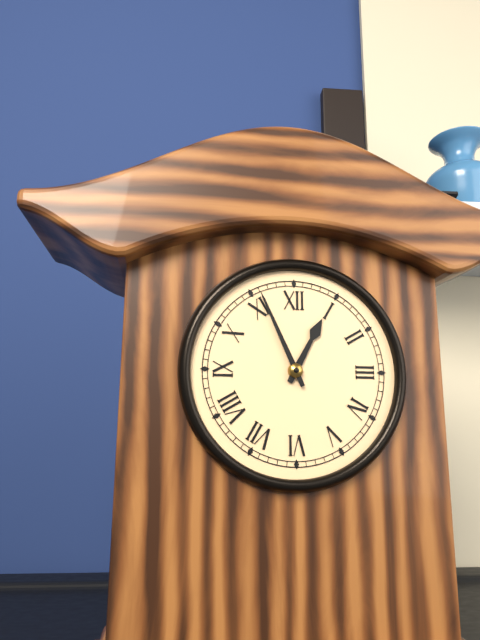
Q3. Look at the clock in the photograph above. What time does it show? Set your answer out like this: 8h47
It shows 12h56
